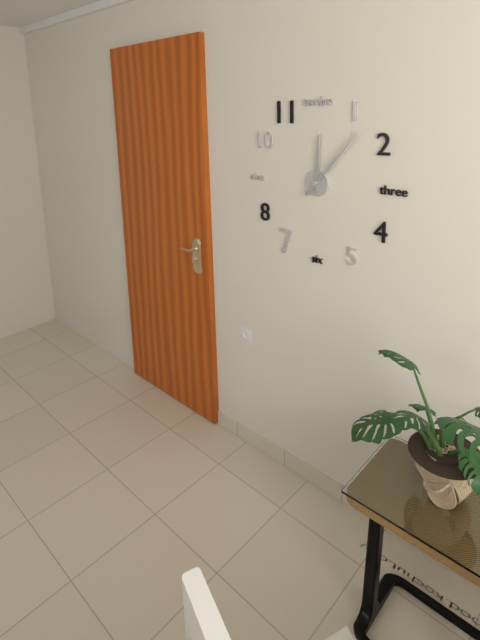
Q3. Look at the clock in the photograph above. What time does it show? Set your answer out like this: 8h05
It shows 12h07
